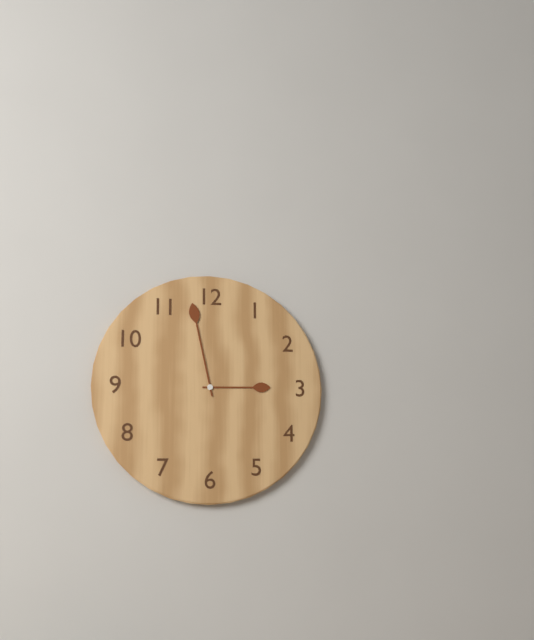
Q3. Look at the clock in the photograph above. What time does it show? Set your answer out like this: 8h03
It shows 2h58
